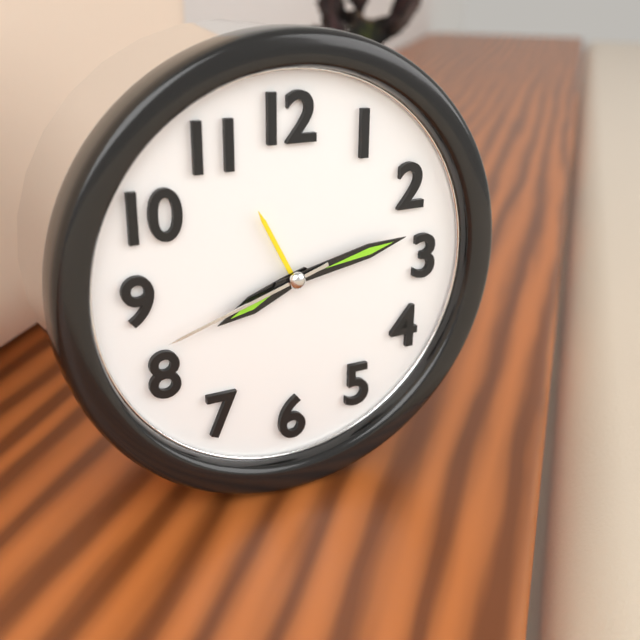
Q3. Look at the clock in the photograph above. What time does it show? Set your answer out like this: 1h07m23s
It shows 8h13m42s
